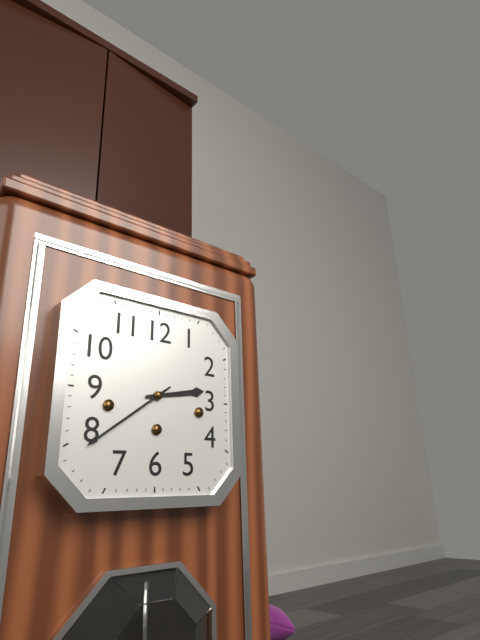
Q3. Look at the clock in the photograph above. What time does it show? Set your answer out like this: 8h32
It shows 2h39
